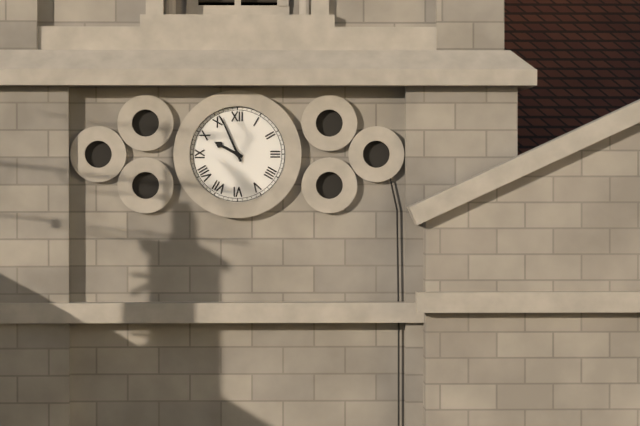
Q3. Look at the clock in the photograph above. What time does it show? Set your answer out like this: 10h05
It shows 9h56
